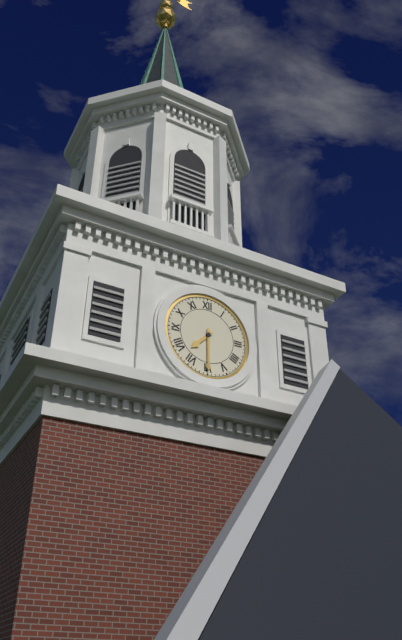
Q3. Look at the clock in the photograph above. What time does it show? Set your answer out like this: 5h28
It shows 7h30
